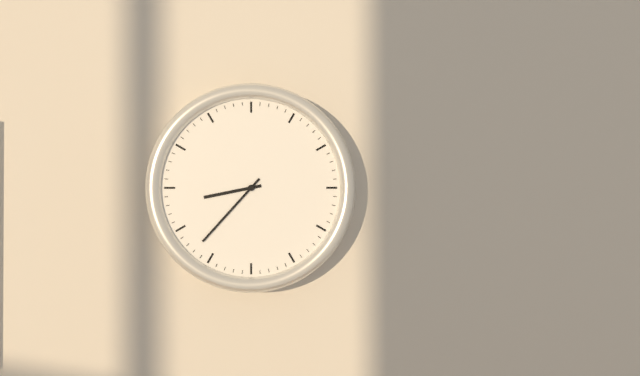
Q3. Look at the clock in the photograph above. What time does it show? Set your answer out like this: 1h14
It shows 8h37
